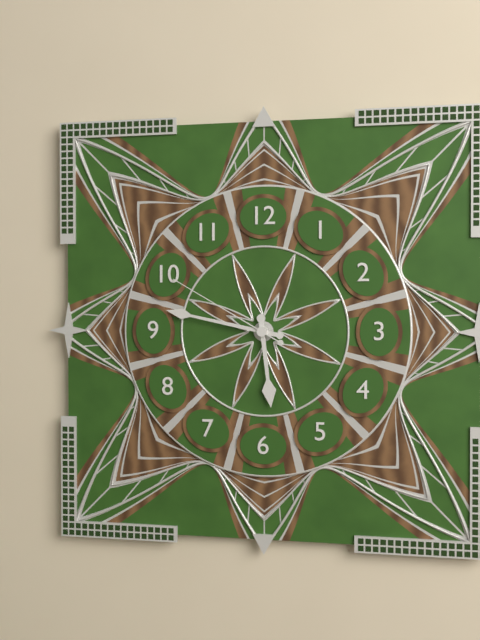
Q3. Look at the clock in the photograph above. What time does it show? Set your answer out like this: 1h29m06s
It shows 5h47m50s
